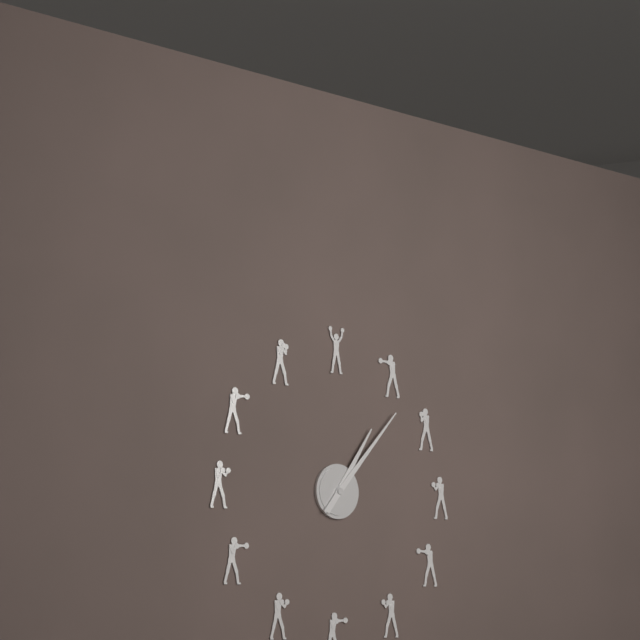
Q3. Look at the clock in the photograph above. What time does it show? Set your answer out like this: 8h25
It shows 1h07
